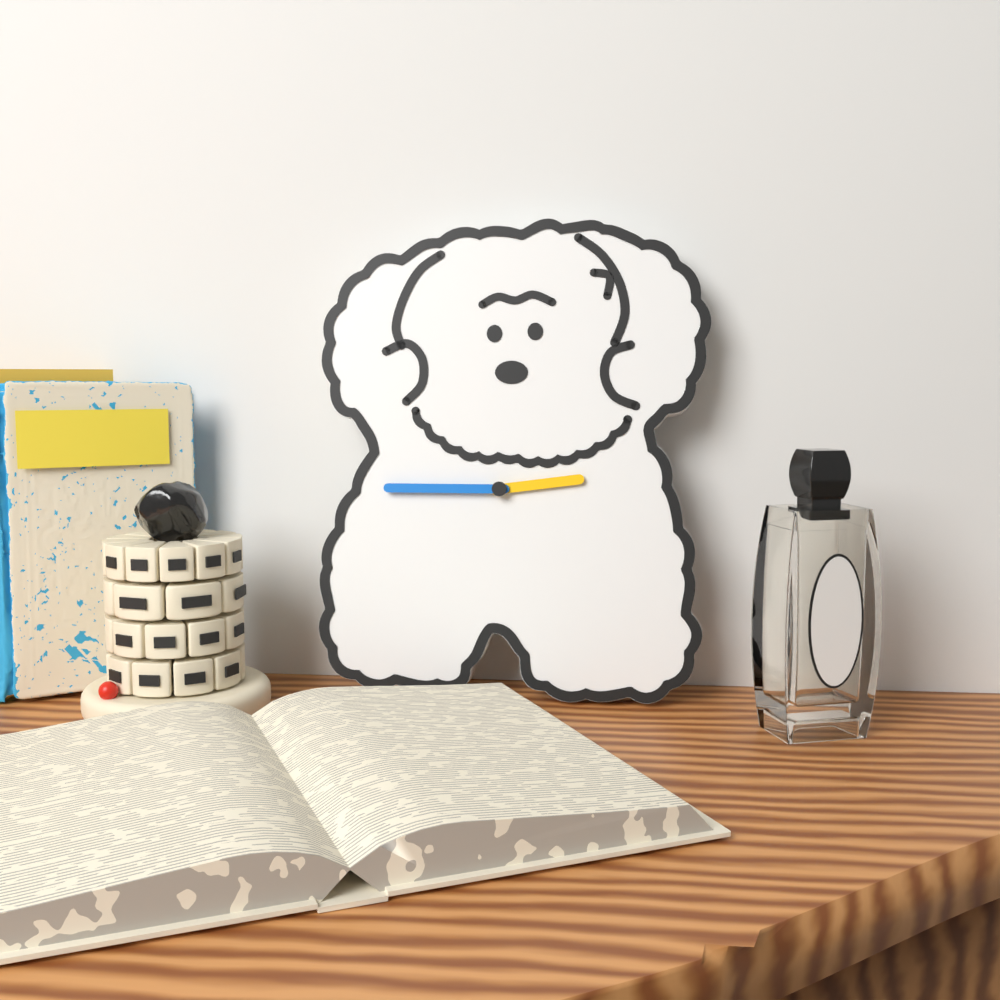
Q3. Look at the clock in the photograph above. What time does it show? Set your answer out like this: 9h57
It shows 2h45
